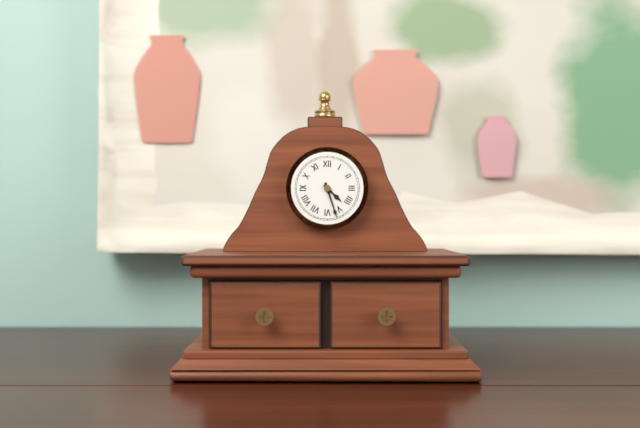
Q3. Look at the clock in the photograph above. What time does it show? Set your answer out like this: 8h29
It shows 4h27
